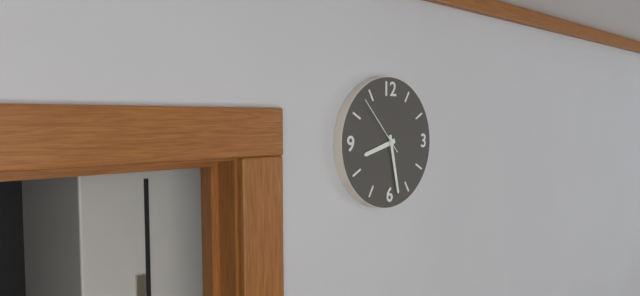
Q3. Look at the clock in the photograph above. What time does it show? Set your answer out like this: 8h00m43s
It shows 8h28m53s
